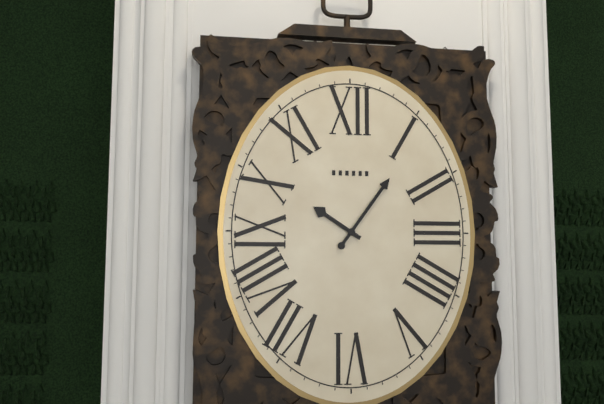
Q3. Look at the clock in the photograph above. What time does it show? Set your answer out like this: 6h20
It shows 10h06
